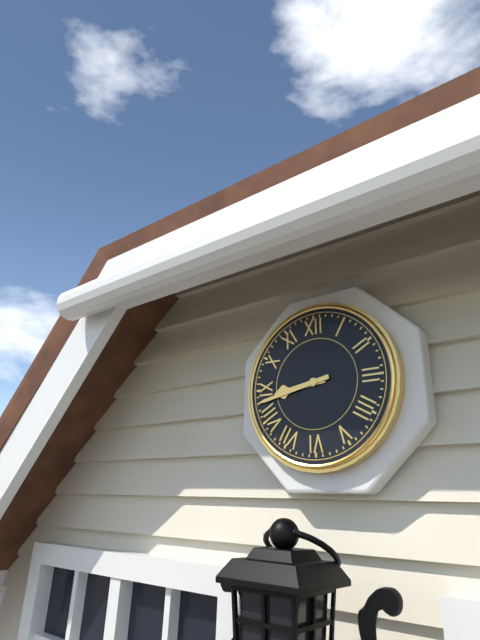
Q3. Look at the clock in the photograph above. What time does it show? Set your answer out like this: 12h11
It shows 8h43
